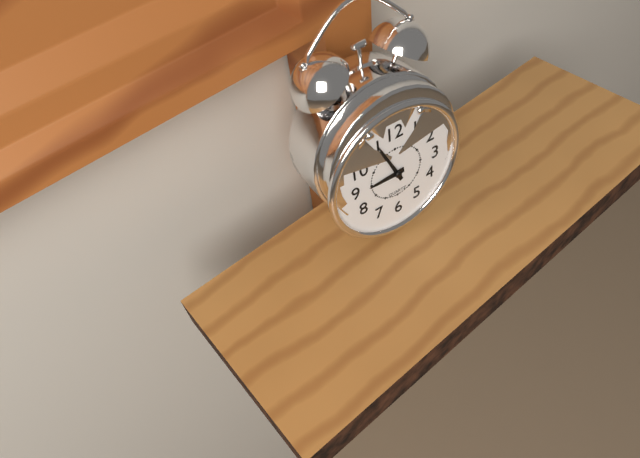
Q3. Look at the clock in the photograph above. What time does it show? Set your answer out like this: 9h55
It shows 8h56
